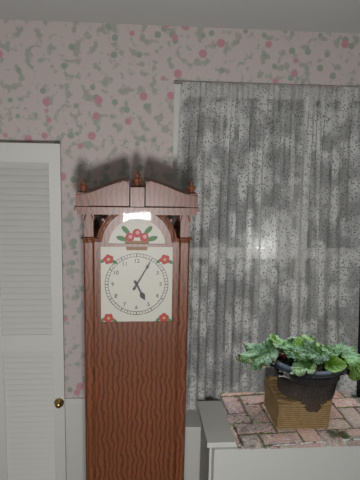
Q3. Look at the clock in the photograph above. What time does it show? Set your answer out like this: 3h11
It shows 5h05
